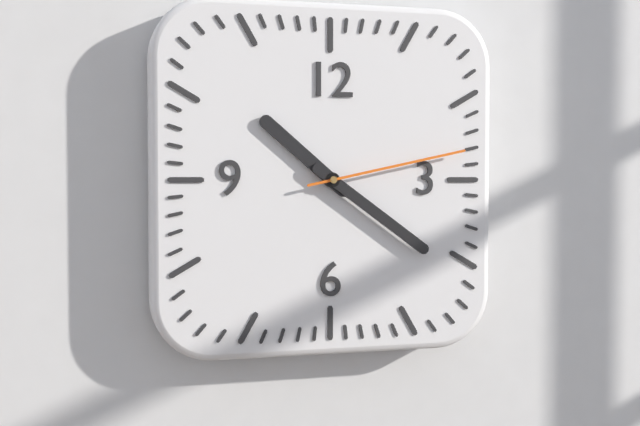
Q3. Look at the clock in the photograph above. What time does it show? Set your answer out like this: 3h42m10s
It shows 10h21m13s
